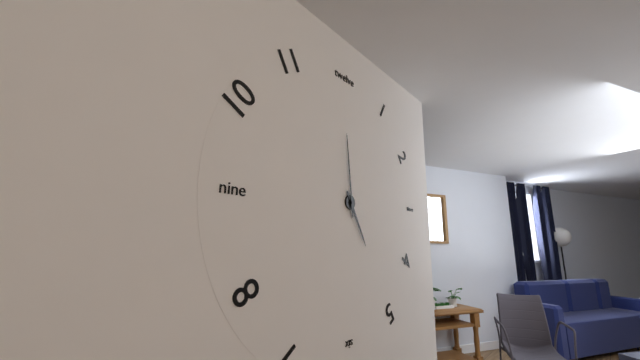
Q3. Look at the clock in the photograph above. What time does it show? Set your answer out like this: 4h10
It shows 4h59
